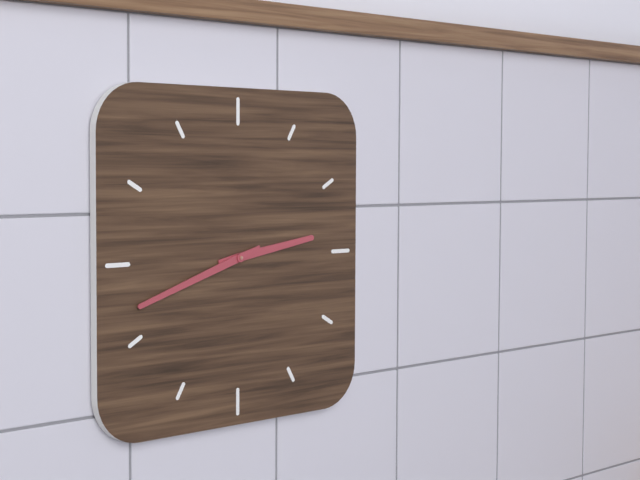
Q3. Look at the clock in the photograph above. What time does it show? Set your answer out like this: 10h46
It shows 2h42
